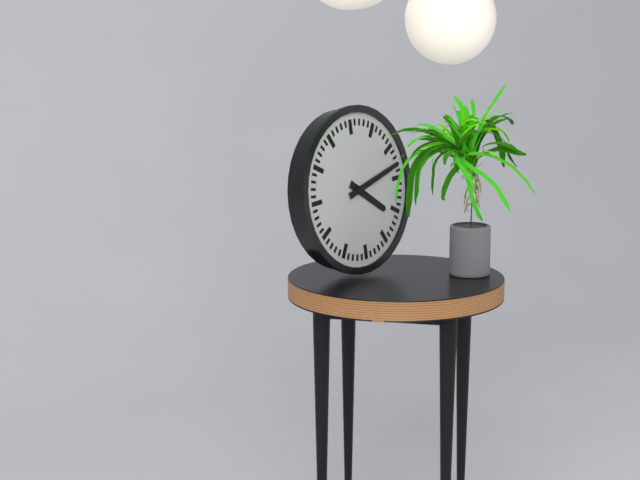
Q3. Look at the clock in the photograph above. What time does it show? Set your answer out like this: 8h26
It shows 4h13
